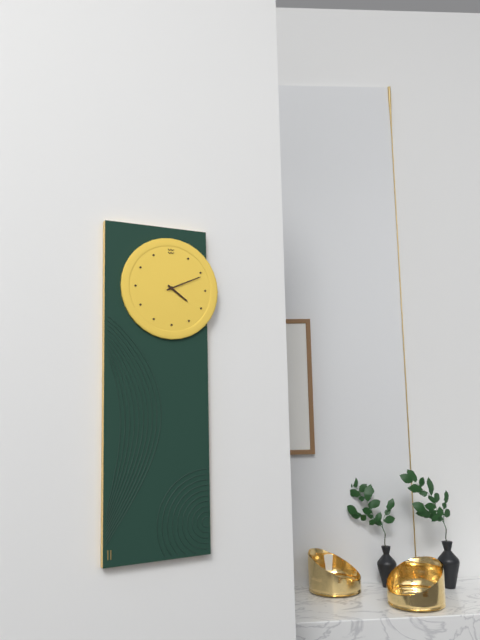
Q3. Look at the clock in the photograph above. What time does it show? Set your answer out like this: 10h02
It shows 4h11
